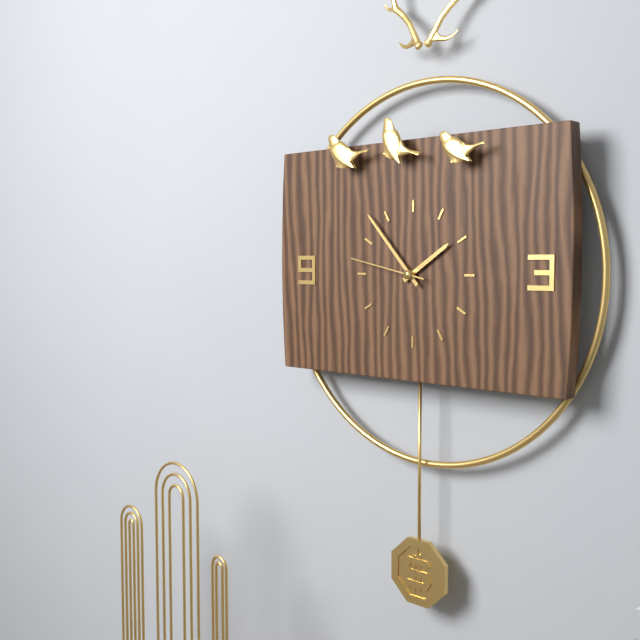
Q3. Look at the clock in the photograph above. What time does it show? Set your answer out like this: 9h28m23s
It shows 1h53m47s
